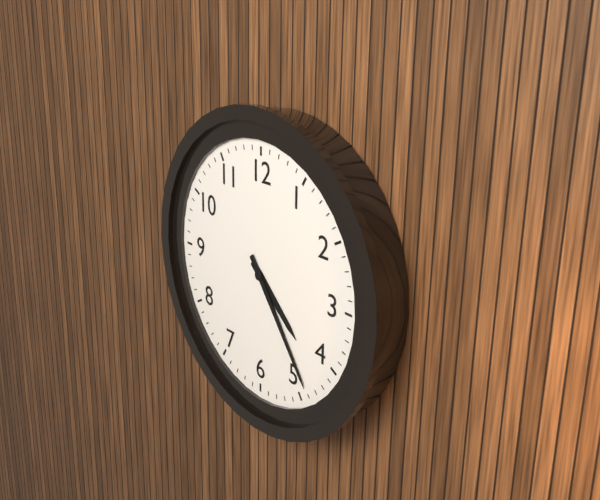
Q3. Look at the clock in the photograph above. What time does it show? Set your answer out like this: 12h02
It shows 4h24
